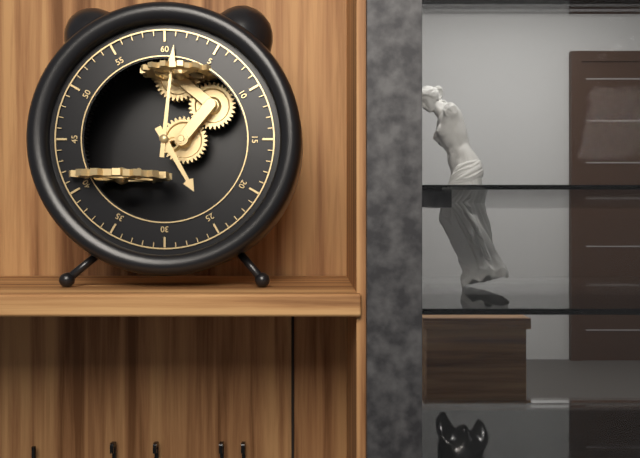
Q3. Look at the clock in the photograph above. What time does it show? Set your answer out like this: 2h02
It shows 5h01
